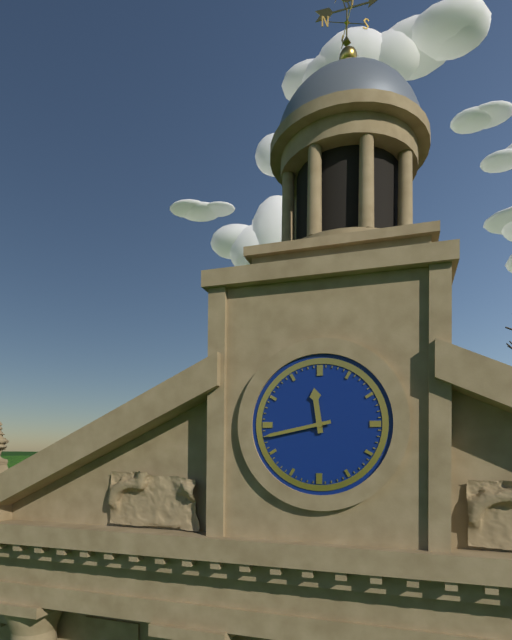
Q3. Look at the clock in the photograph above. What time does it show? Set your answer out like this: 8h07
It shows 11h43
